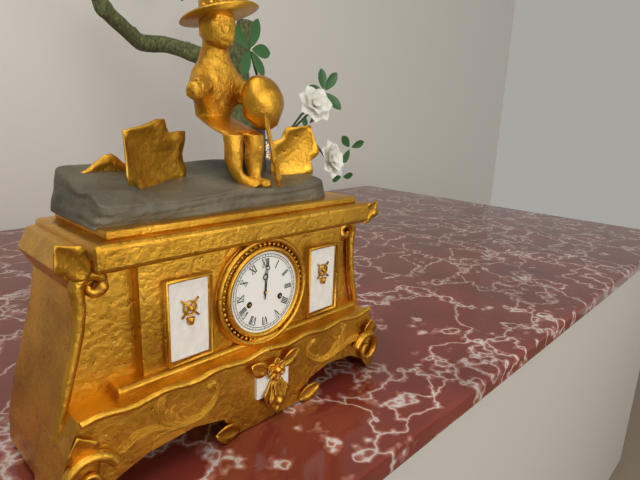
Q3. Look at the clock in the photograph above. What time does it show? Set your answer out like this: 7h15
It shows 12h01
